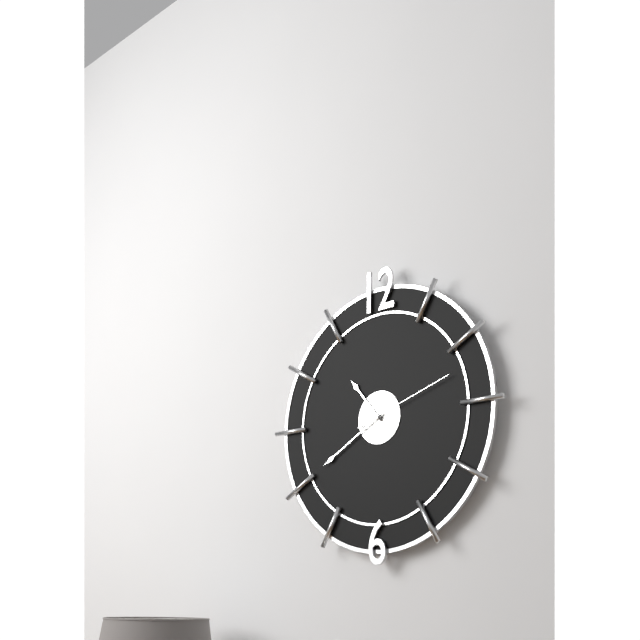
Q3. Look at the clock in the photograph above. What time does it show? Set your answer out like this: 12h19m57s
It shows 10h40m12s
